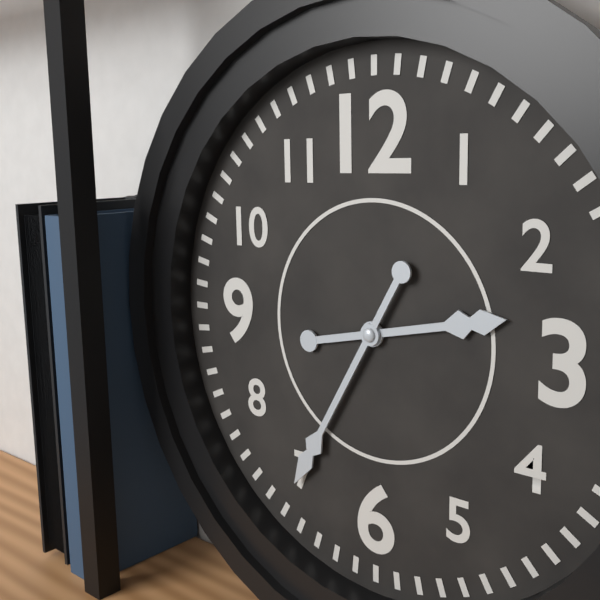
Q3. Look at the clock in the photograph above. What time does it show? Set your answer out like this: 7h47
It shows 2h35
